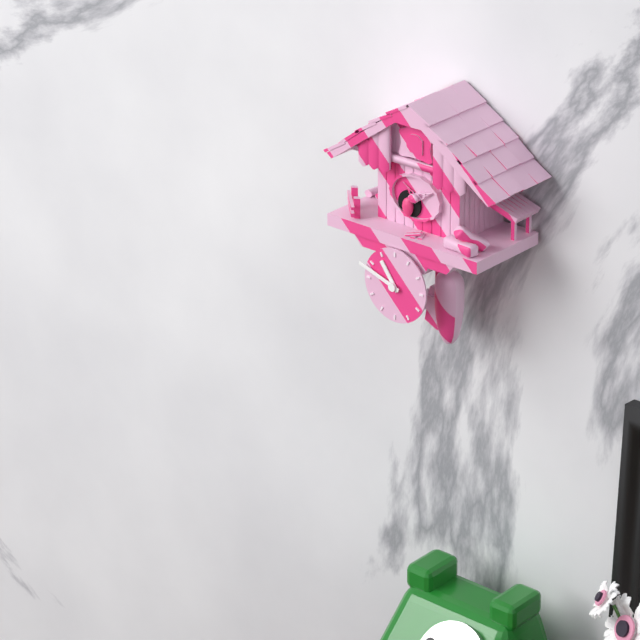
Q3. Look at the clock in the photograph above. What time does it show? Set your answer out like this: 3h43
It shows 10h48
